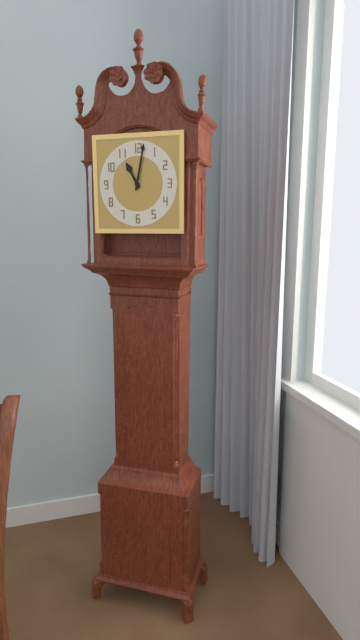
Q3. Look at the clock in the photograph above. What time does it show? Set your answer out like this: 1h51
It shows 11h02
